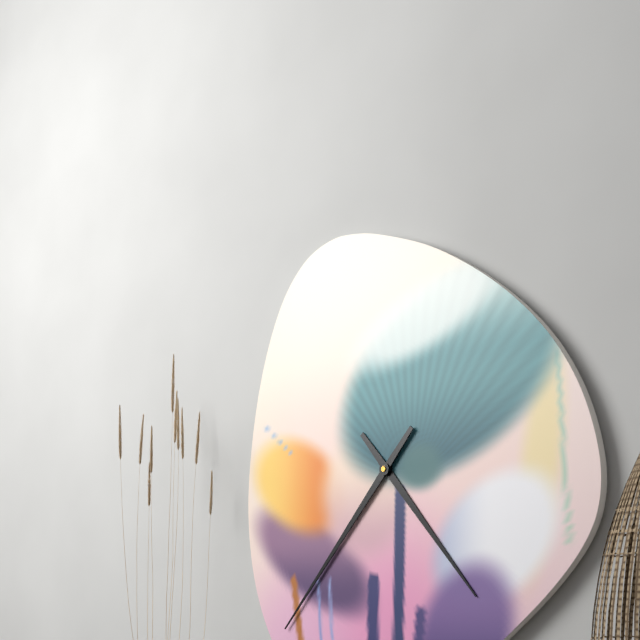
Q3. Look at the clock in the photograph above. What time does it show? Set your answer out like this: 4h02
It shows 4h37
